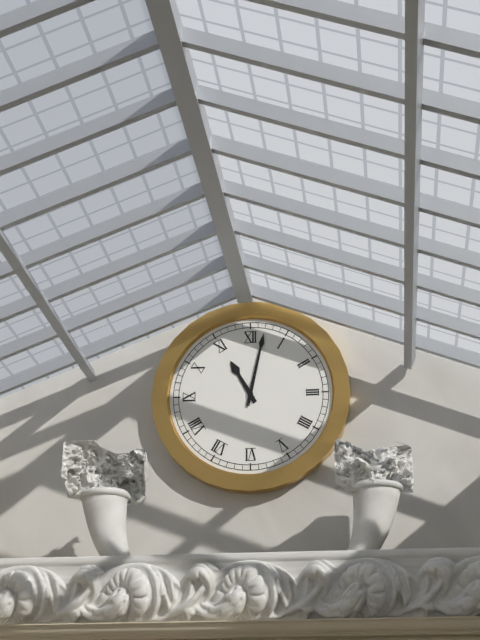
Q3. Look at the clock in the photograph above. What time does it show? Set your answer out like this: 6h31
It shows 11h02
